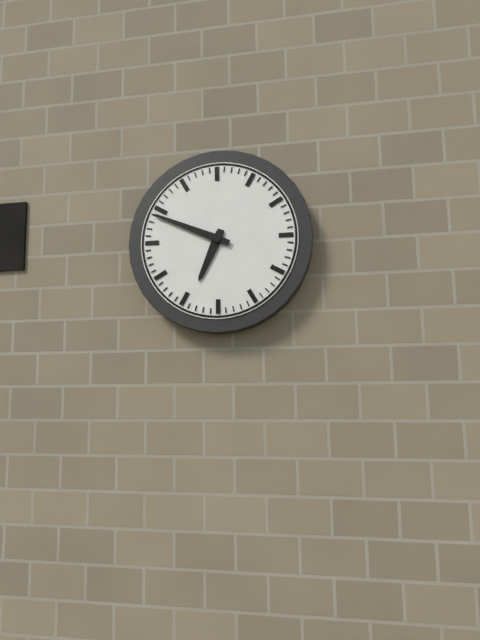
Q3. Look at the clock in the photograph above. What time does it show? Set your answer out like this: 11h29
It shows 6h49
